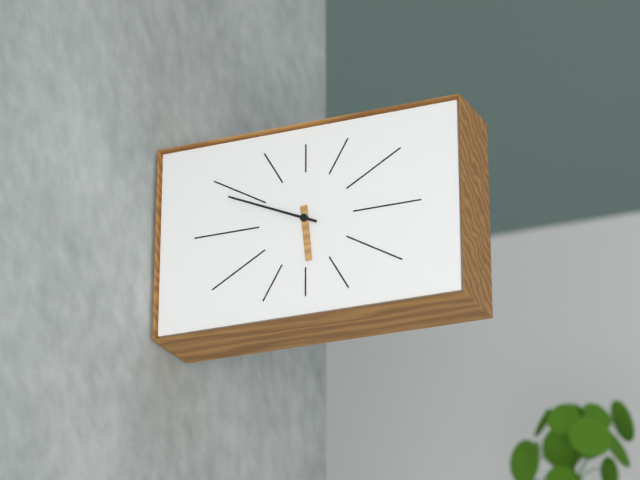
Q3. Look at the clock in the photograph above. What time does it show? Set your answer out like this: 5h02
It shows 5h49
